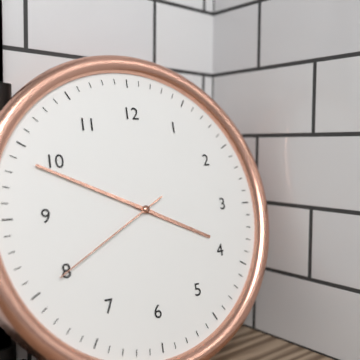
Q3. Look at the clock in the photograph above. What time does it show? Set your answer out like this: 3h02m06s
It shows 3h49m40s
